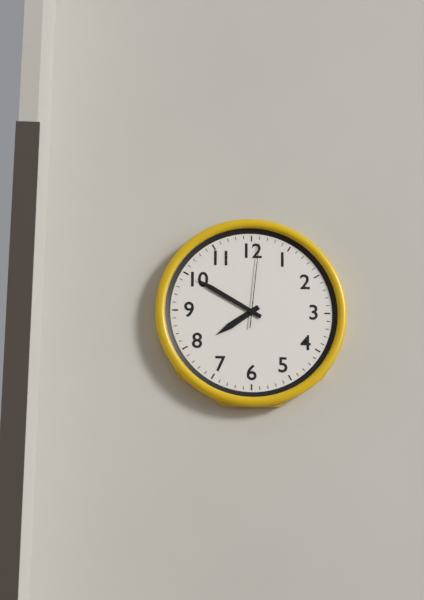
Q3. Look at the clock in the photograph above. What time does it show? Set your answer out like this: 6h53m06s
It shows 7h50m01s
